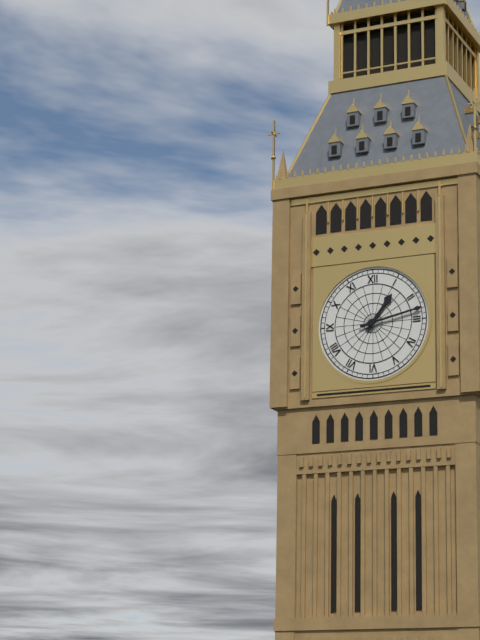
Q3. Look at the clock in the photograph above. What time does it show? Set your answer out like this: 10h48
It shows 1h13
